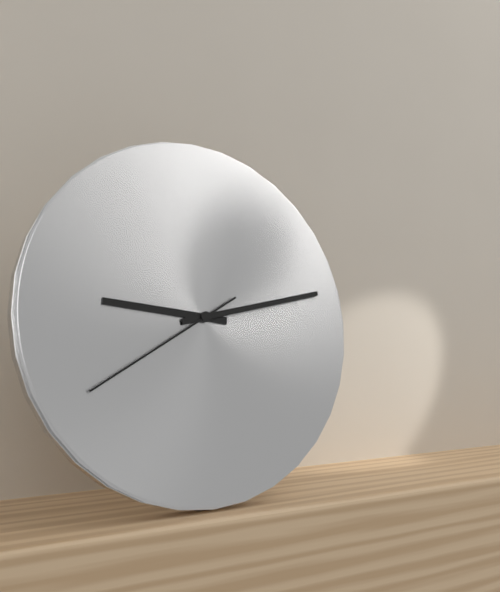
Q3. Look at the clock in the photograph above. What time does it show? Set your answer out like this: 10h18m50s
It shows 9h13m40s
